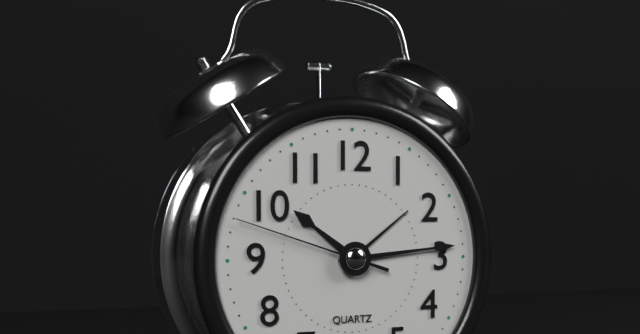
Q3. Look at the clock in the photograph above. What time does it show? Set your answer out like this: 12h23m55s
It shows 10h14m48s
